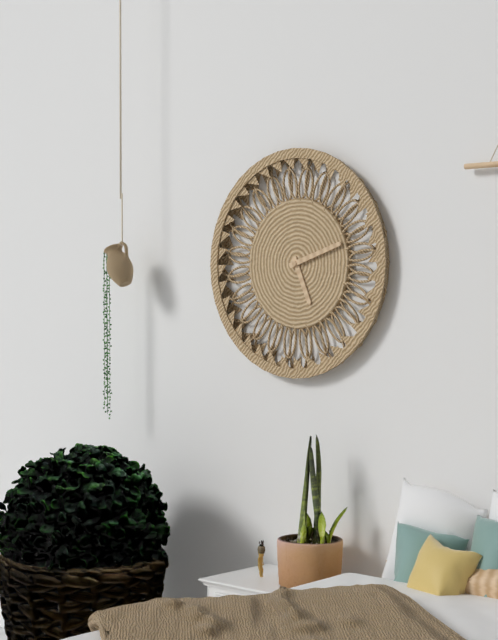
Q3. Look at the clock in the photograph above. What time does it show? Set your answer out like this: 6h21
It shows 5h12
